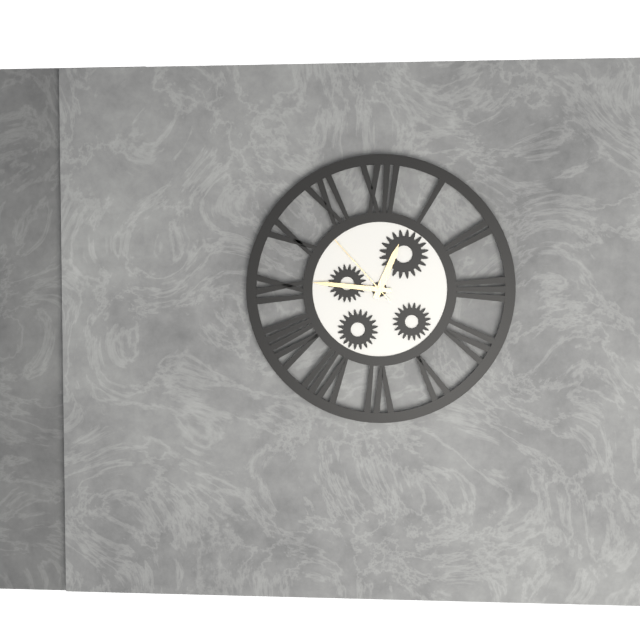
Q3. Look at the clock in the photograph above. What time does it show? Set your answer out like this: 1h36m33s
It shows 12h46m53s
